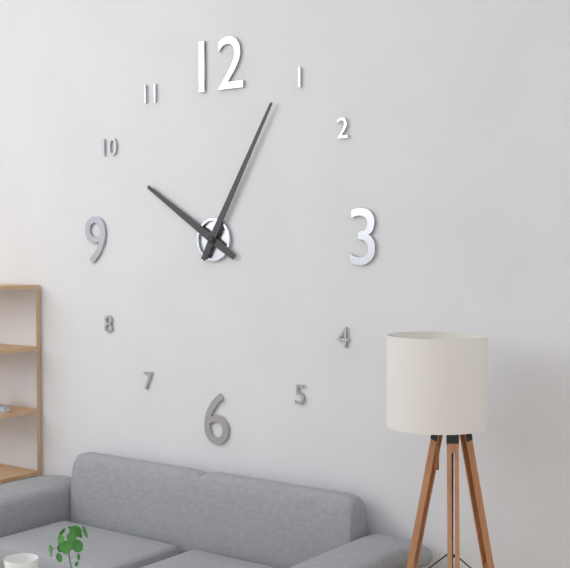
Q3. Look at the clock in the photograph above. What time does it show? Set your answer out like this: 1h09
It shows 10h05
